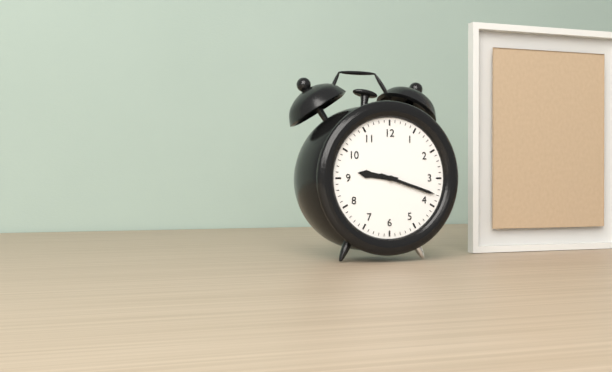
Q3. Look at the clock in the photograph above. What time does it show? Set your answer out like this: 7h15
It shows 9h18
